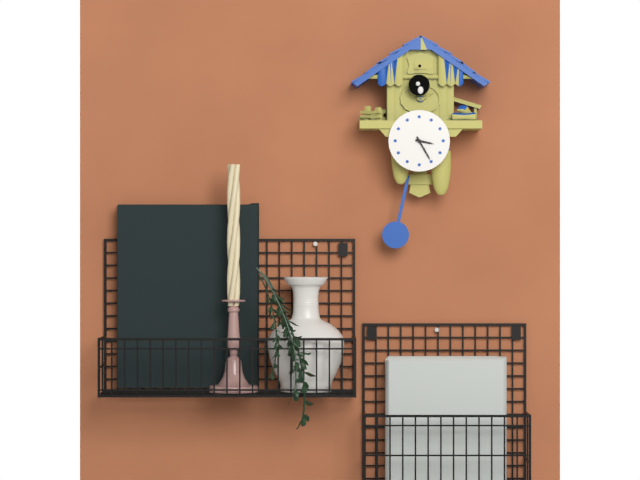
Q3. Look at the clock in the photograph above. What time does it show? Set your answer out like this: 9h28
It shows 3h25
